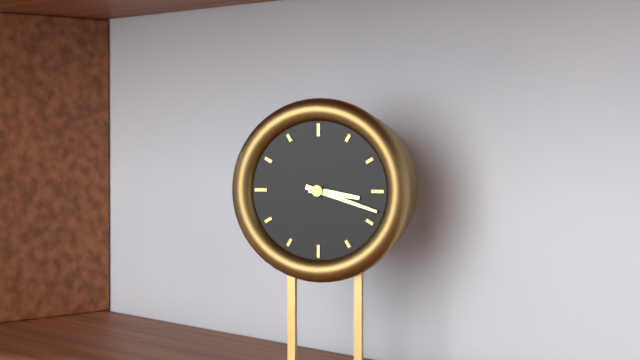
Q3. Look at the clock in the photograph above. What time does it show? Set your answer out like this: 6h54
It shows 3h18
